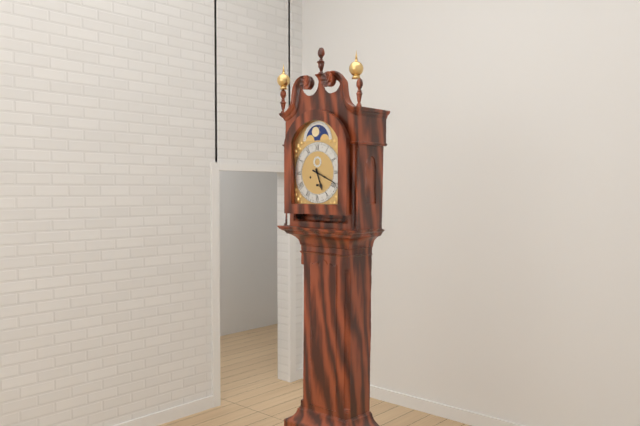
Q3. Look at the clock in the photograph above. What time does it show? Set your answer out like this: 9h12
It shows 5h19
